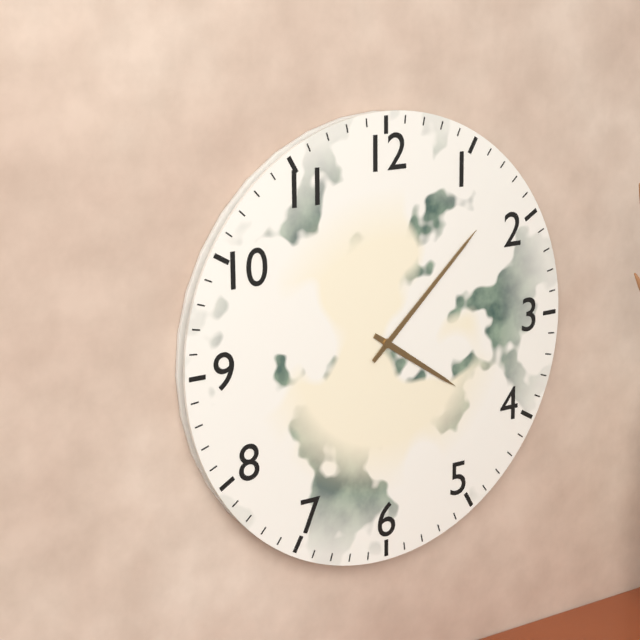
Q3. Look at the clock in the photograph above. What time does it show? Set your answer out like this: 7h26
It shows 4h08
